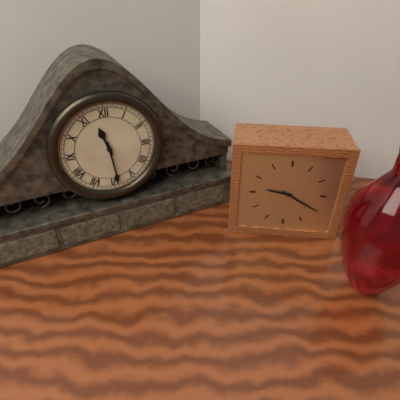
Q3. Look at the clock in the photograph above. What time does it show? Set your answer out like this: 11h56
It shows 11h29
